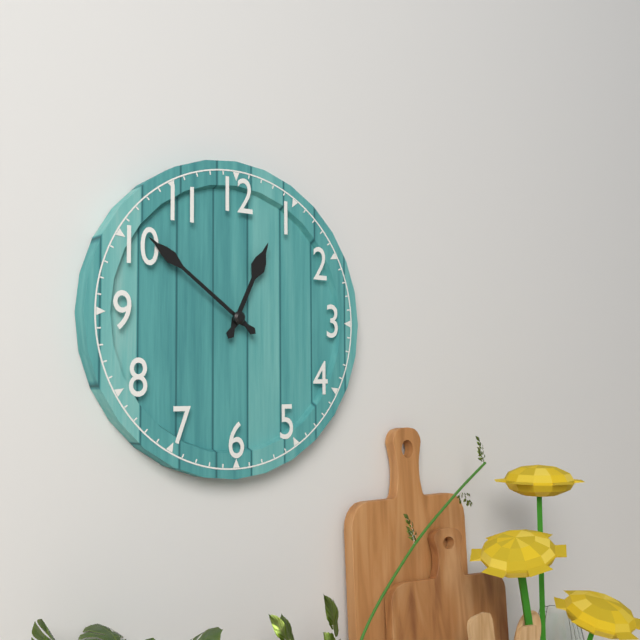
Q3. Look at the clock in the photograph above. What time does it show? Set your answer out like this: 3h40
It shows 12h51
